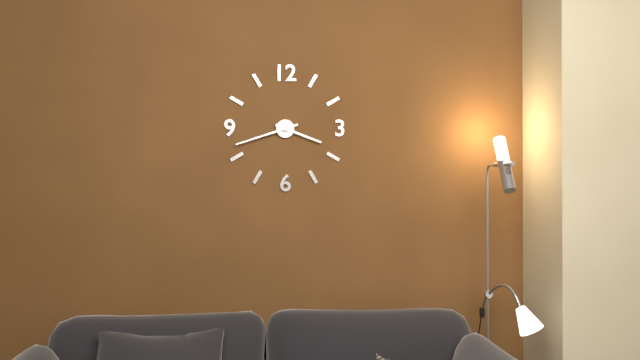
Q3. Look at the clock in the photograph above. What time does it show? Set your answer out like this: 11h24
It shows 3h42
